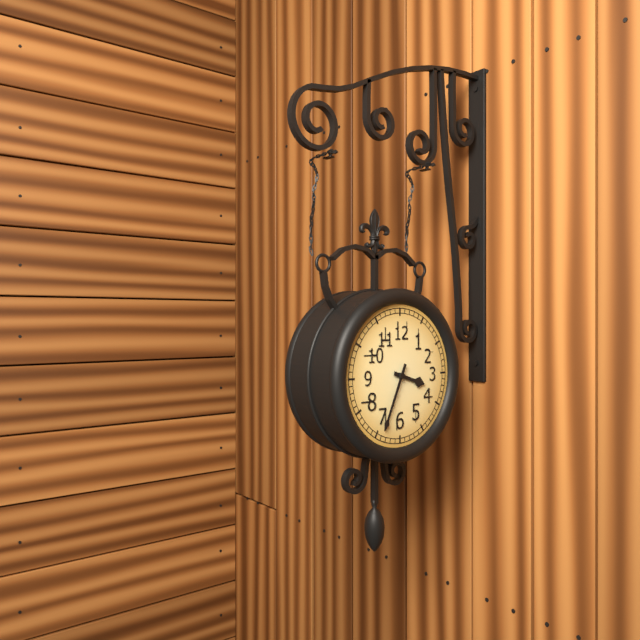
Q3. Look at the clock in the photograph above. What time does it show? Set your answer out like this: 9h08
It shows 3h34
